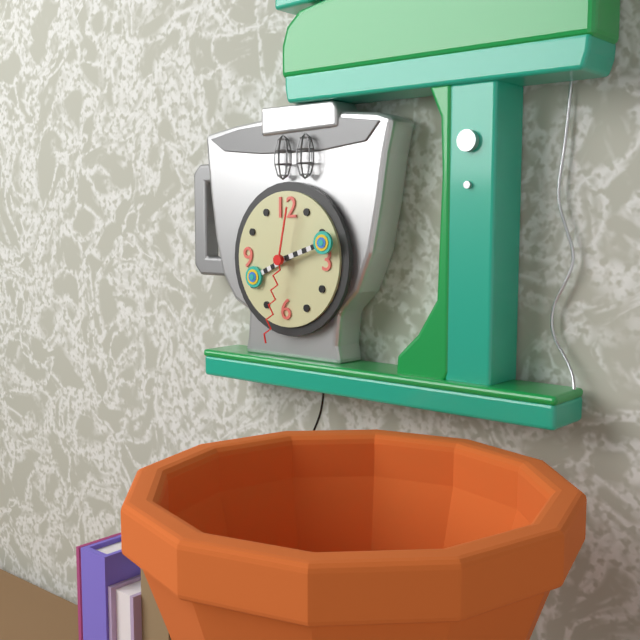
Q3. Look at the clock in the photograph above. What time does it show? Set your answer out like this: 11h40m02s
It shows 8h12m32s
